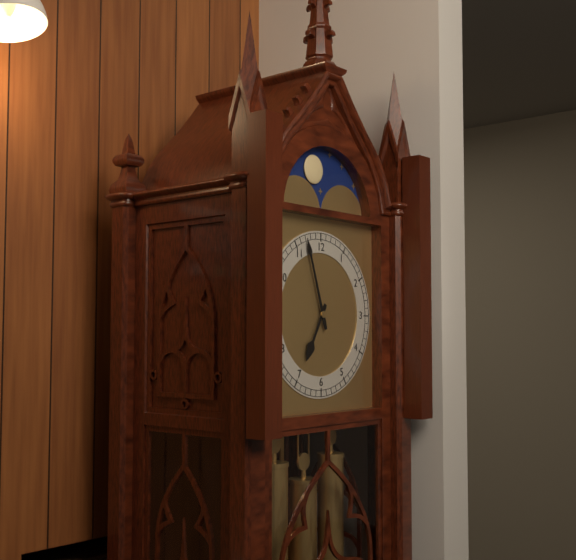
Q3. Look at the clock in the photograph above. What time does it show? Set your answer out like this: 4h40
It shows 6h57
